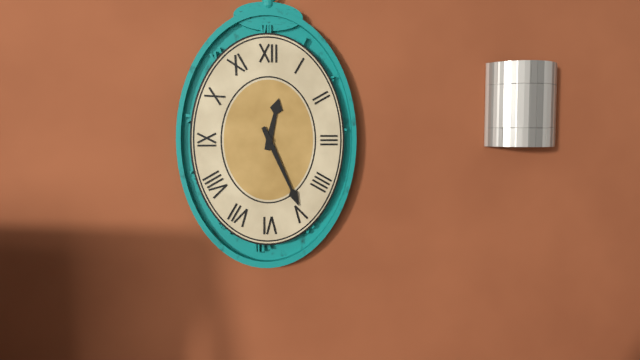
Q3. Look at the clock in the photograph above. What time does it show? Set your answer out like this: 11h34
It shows 12h26
